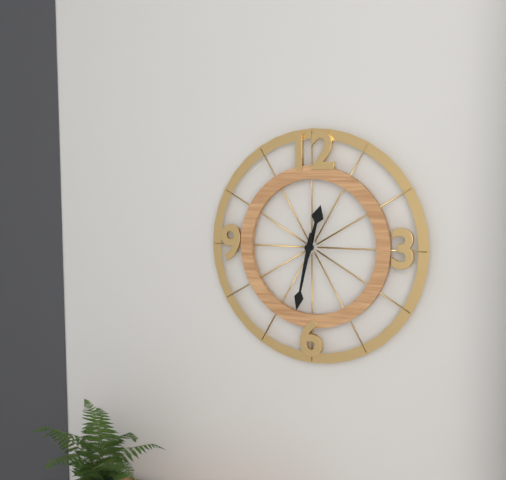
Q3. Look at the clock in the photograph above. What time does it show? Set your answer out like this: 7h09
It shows 12h32
